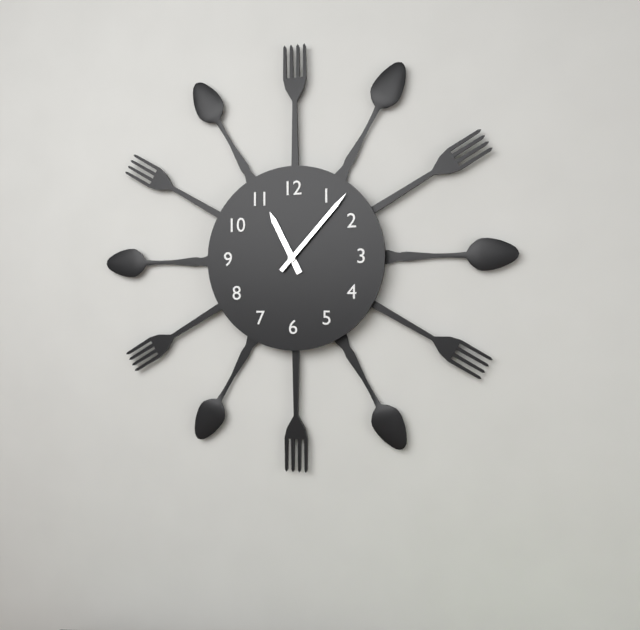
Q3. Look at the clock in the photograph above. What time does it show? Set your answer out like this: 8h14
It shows 11h07
